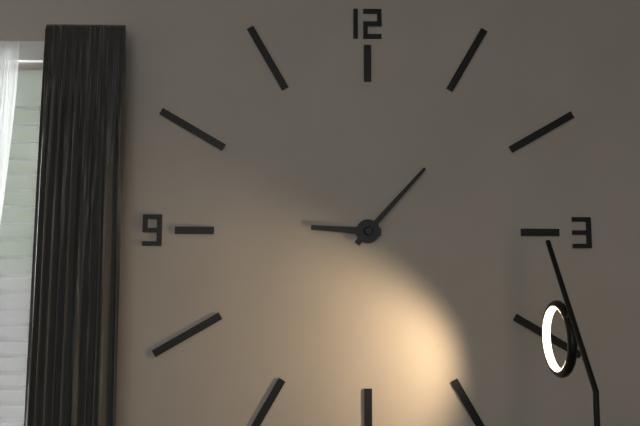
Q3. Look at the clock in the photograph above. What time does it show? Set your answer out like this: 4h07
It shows 9h07
